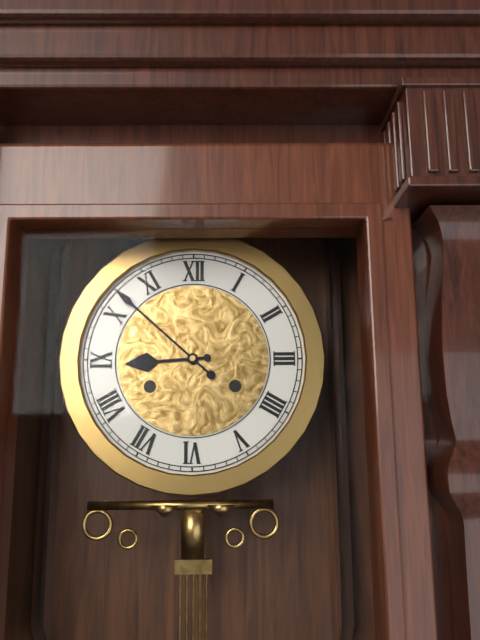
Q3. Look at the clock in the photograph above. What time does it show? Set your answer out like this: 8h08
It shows 8h52
